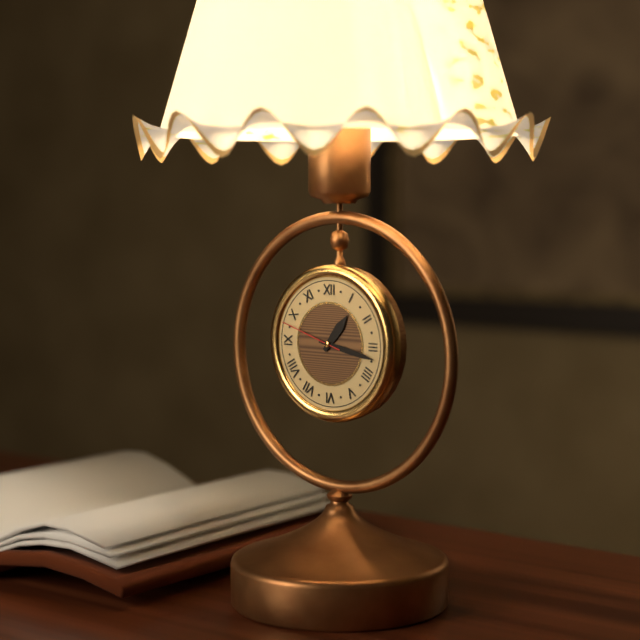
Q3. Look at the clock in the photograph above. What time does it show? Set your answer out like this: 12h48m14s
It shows 1h17m48s
